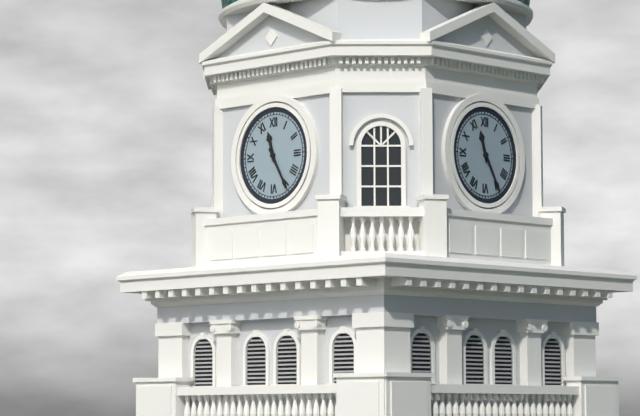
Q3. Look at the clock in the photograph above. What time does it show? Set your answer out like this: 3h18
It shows 11h25
